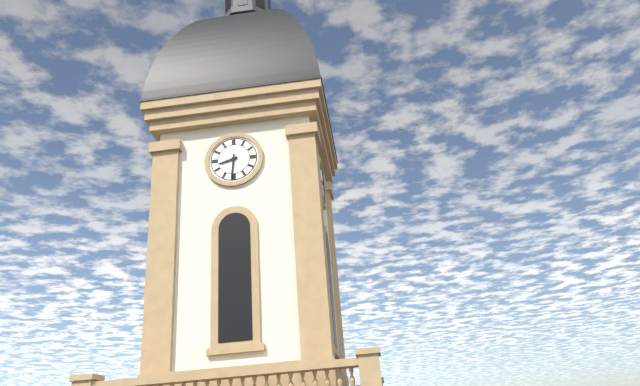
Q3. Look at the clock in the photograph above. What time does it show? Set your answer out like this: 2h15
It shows 8h31
